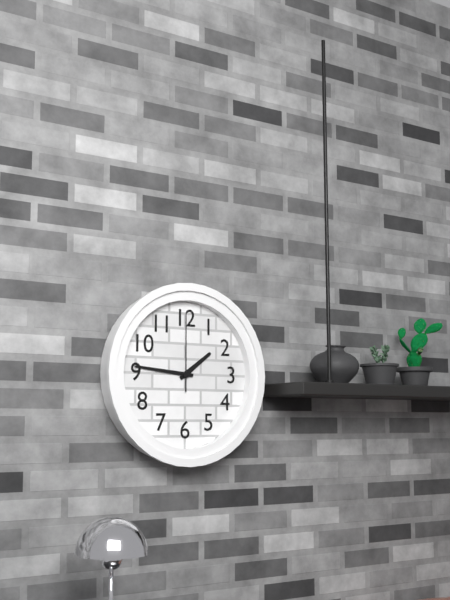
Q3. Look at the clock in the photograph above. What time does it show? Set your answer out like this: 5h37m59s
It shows 1h46m00s
